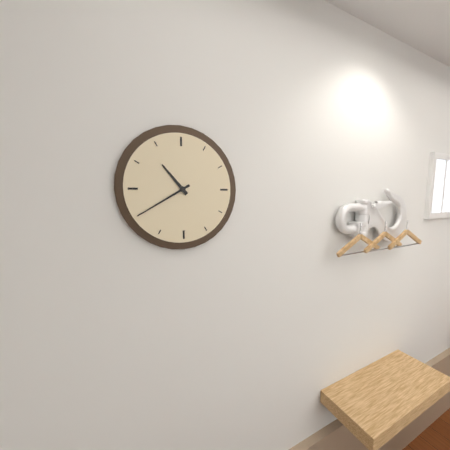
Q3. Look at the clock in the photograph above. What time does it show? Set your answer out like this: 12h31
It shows 10h40
